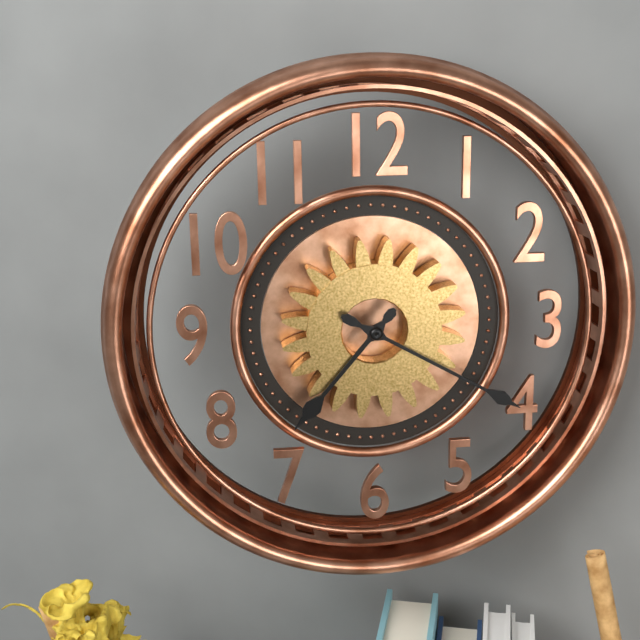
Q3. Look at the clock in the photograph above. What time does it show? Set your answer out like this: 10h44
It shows 7h20
